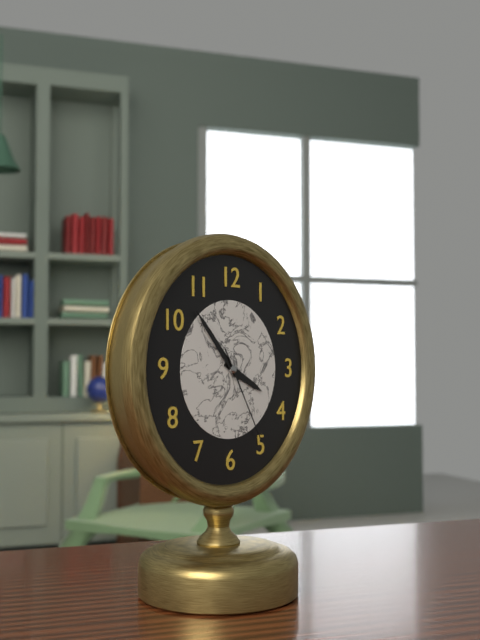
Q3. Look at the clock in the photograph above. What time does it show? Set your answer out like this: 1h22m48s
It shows 3h53m25s
